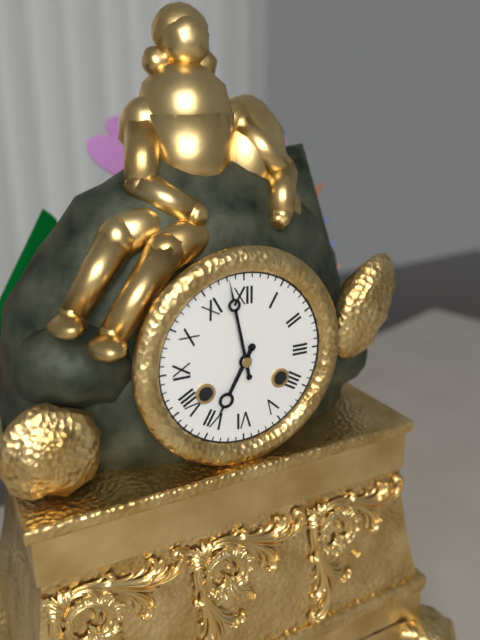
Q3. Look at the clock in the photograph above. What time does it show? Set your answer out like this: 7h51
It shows 6h58
